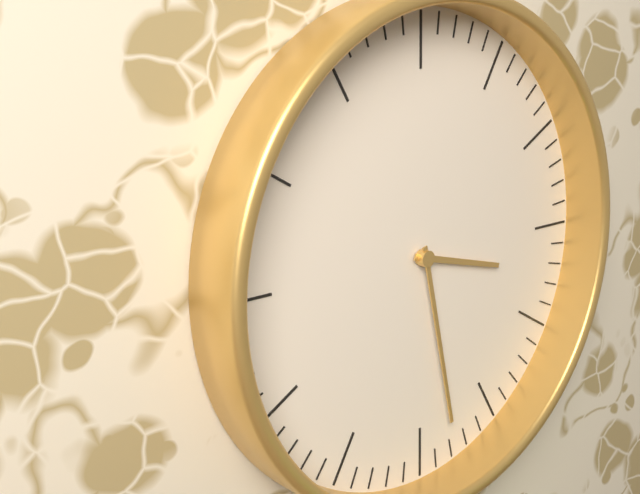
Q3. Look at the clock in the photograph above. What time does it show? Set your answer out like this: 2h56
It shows 3h28
